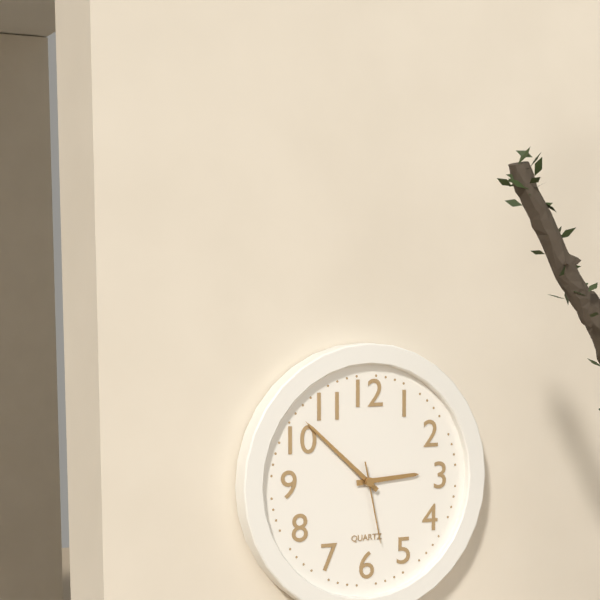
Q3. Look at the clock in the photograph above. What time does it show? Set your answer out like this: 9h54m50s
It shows 2h52m28s
